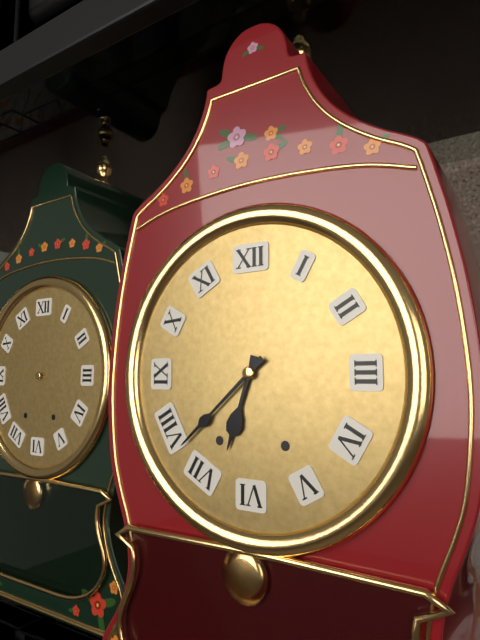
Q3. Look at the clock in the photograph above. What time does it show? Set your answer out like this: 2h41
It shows 6h38
